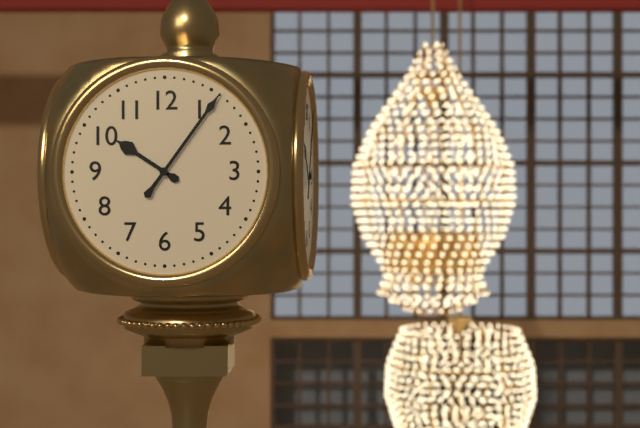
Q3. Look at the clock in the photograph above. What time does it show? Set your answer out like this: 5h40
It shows 10h06
